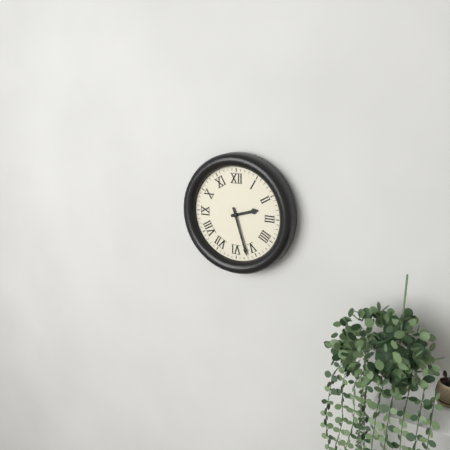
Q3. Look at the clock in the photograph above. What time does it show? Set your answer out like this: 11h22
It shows 2h27
